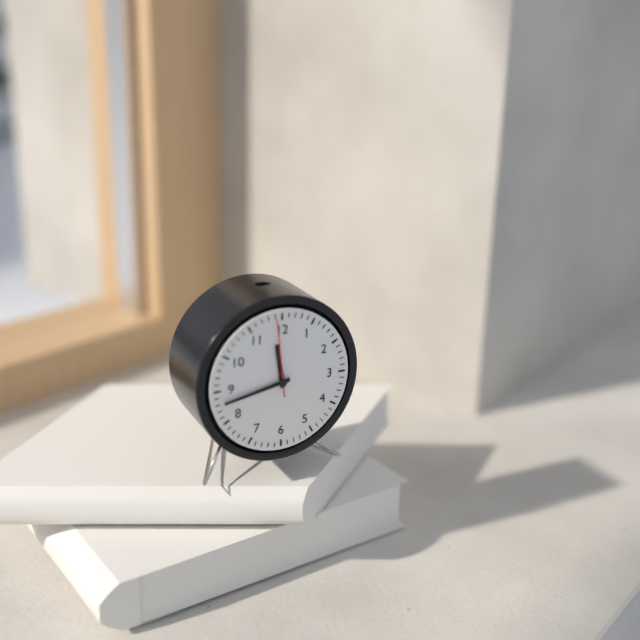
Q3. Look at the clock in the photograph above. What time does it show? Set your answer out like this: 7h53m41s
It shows 11h43m59s
